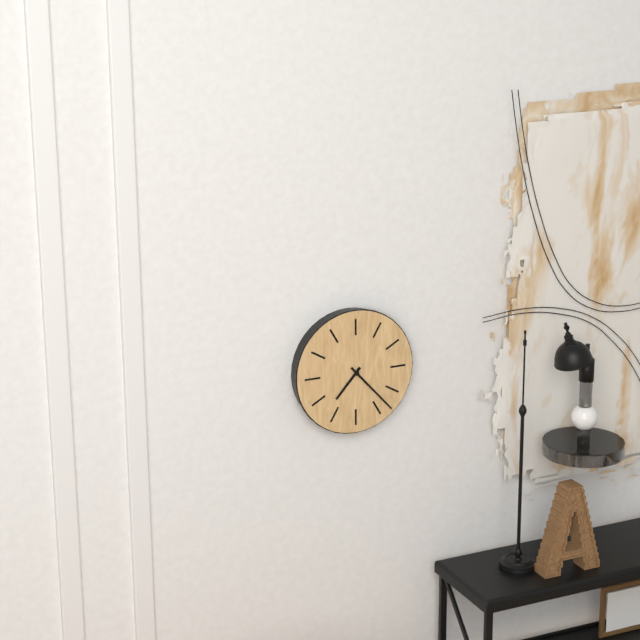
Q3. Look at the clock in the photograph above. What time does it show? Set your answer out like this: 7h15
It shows 7h23
